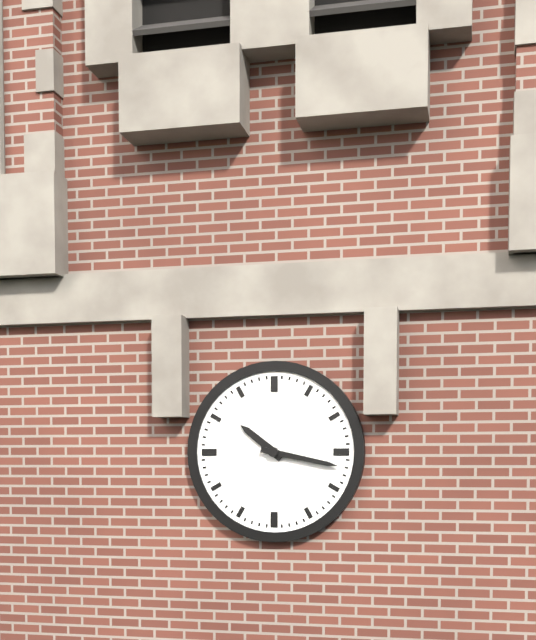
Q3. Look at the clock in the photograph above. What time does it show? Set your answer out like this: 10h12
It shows 10h17
